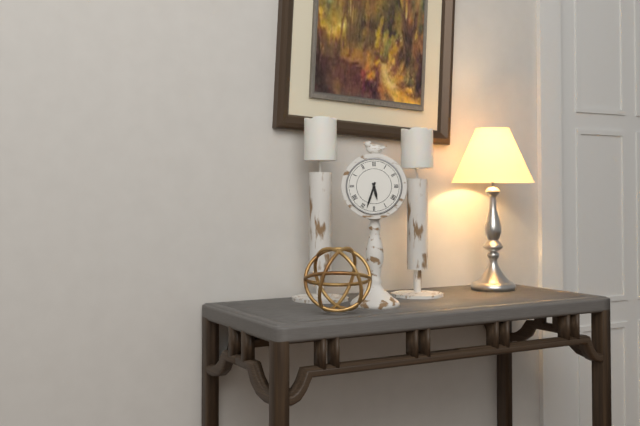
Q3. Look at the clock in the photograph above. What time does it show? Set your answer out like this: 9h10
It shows 5h33
